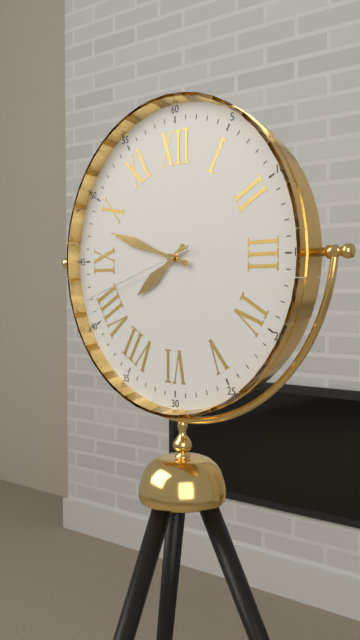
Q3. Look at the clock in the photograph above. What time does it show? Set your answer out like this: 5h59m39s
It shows 7h48m42s
